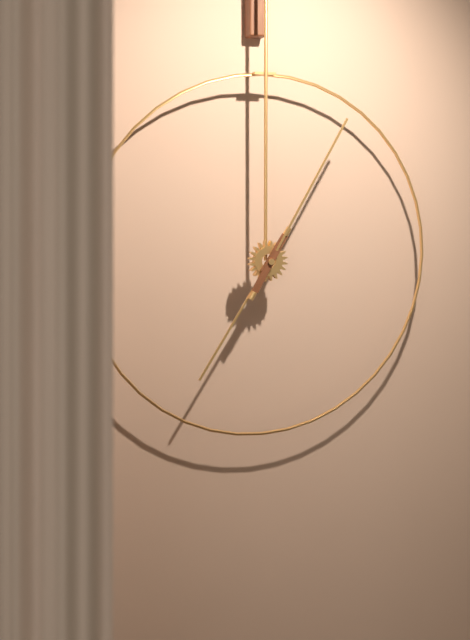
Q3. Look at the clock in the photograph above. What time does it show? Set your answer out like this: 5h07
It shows 7h05
